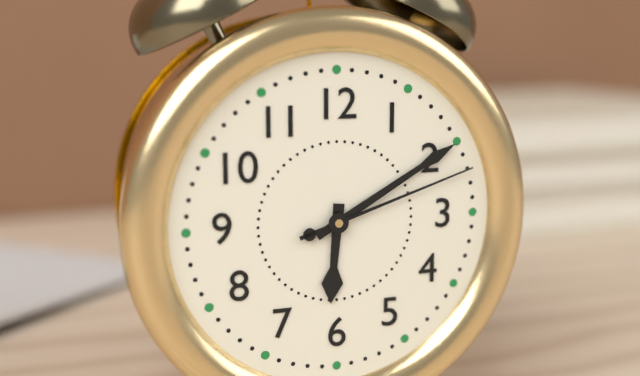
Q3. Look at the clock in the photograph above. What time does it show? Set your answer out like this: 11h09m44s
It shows 6h10m12s
